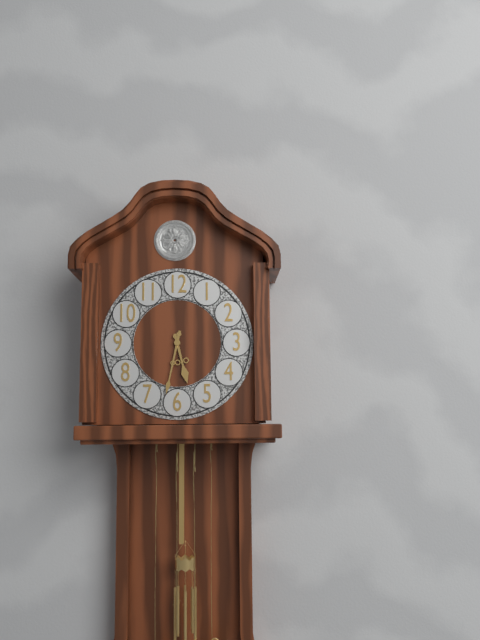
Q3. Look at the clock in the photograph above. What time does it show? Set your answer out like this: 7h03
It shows 5h32
